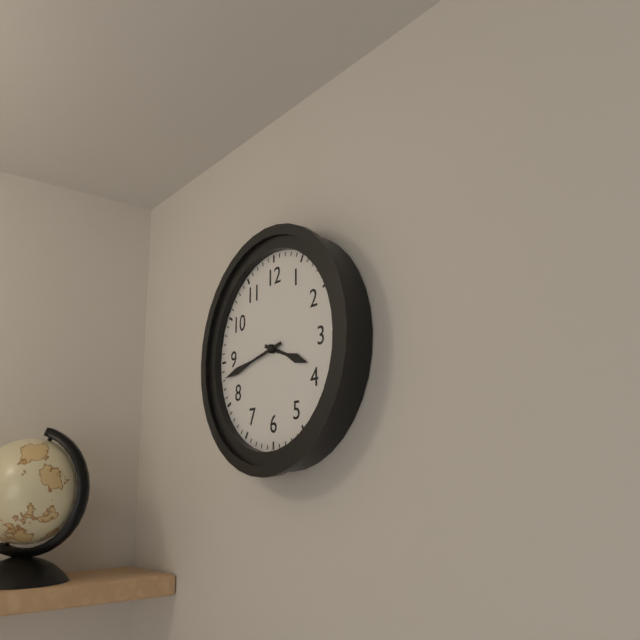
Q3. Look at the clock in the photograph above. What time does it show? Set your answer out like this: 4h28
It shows 3h43
